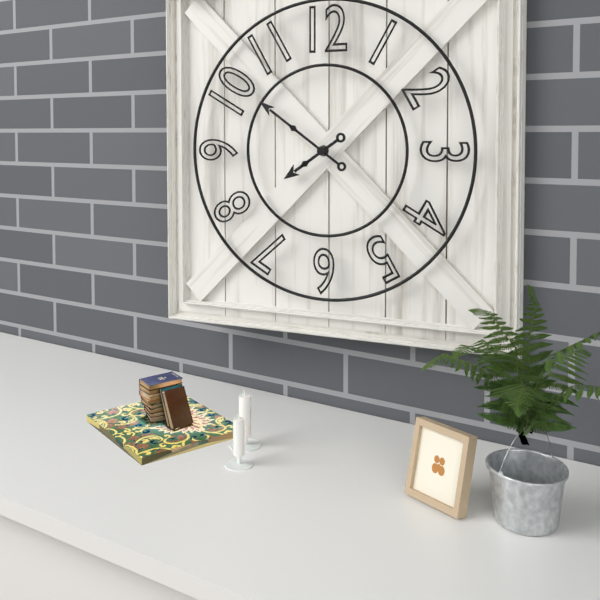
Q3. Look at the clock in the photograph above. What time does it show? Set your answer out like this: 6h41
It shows 7h51
